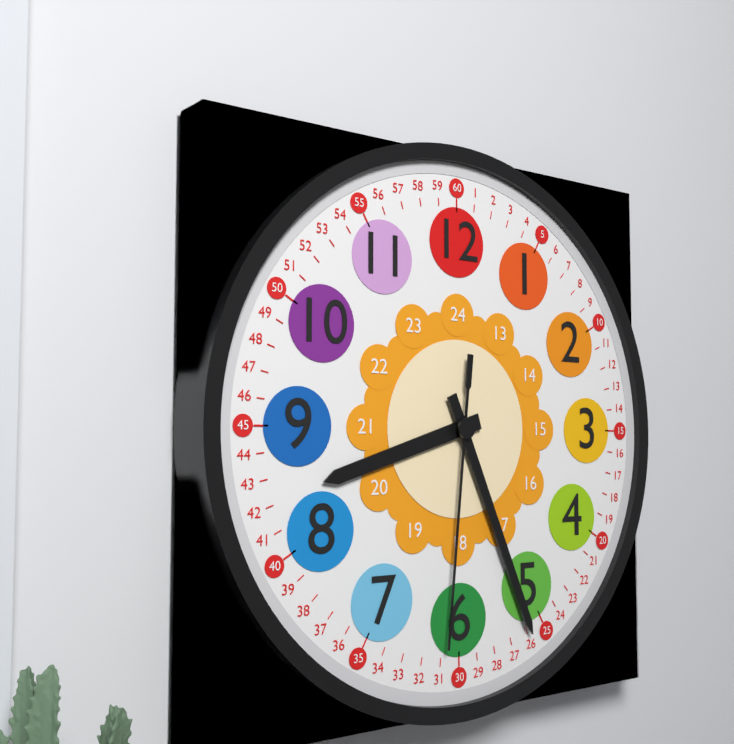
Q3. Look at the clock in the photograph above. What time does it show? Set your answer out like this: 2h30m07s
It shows 8h26m31s
